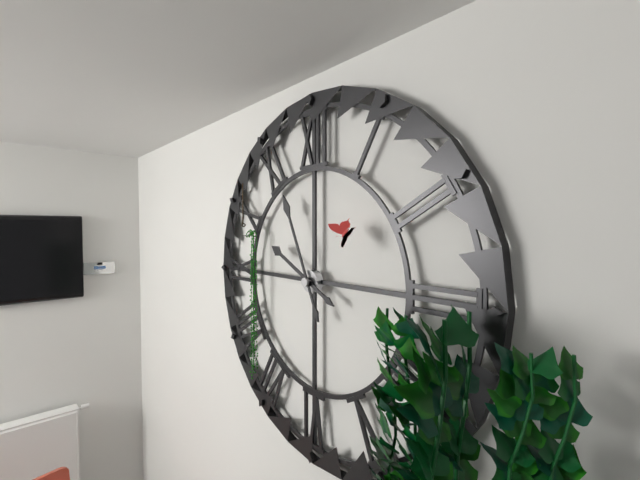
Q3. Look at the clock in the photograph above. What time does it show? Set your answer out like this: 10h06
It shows 9h56
